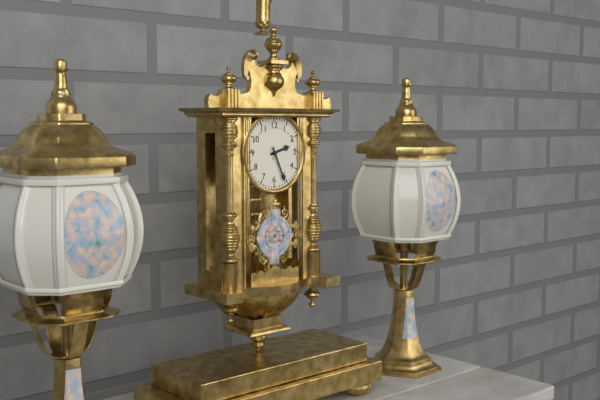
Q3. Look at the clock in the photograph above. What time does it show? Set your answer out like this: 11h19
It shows 2h26
